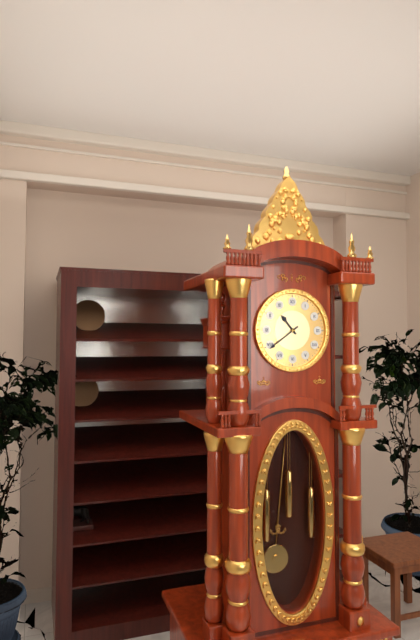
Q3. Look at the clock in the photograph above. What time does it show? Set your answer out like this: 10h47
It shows 10h39
